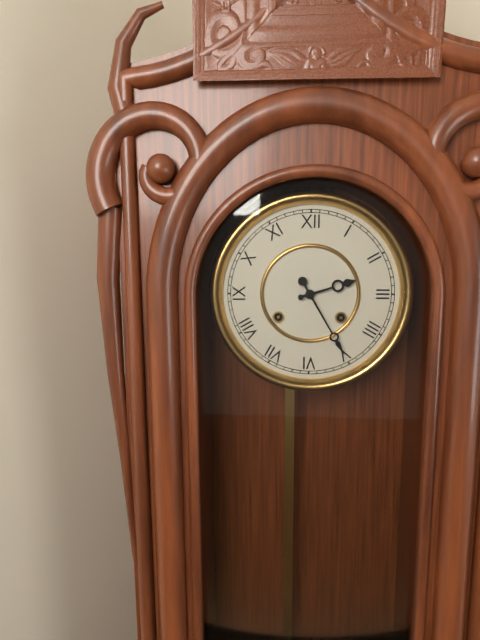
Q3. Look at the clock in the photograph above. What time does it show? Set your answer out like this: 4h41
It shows 2h25
